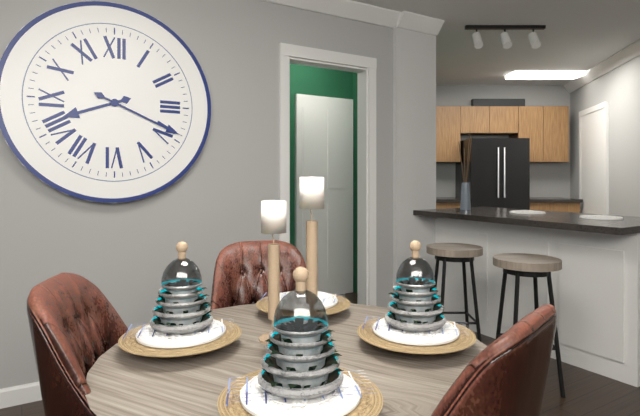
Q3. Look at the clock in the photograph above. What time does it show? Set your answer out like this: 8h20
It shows 8h19
